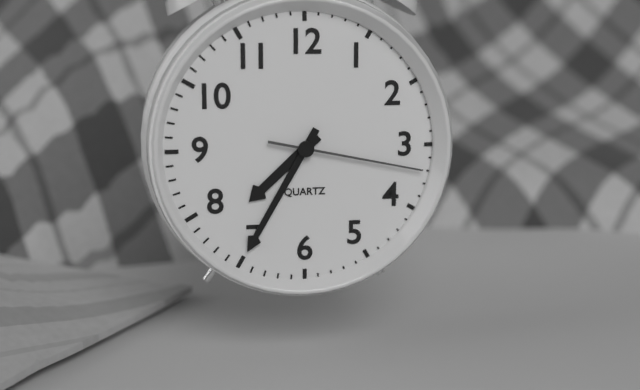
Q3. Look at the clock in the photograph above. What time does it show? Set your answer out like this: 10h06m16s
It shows 7h35m17s
